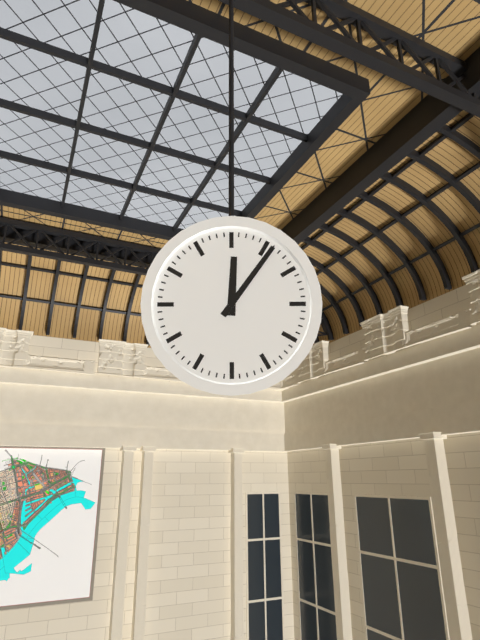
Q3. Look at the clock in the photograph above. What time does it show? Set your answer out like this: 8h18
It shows 12h06
